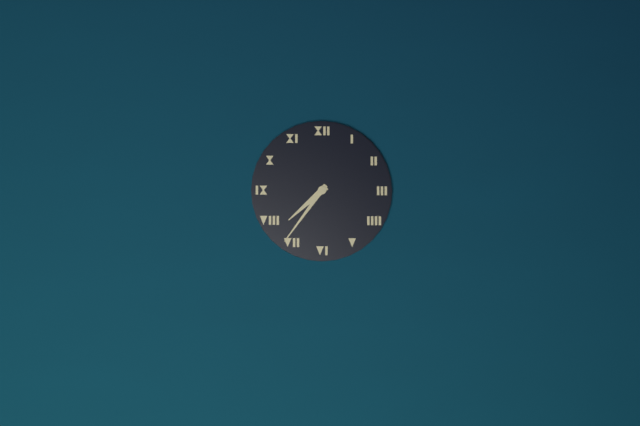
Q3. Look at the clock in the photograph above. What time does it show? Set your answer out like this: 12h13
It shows 7h36
